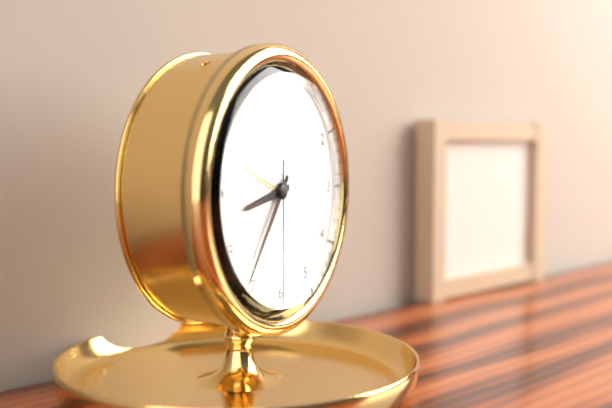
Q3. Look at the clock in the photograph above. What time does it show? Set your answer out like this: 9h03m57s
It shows 8h36m30s
